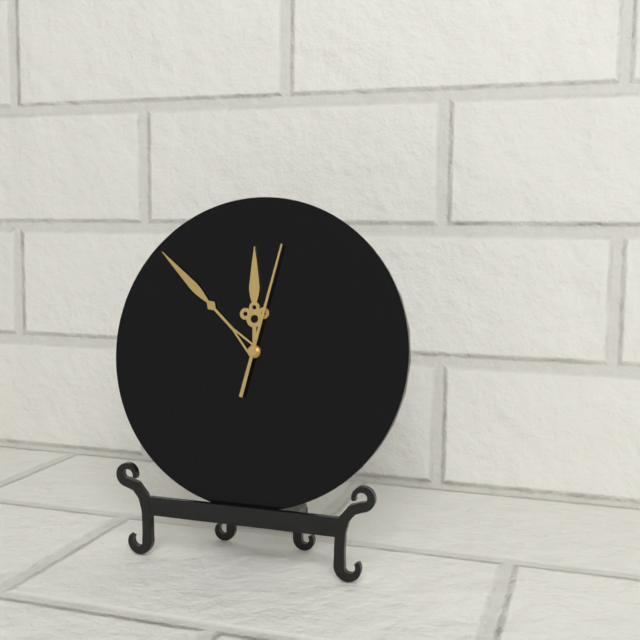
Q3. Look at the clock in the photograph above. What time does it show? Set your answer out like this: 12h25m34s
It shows 11h52m02s
